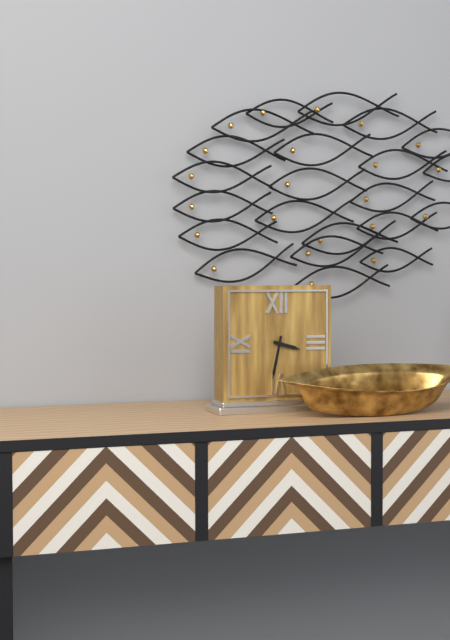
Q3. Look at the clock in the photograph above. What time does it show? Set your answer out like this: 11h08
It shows 3h32
